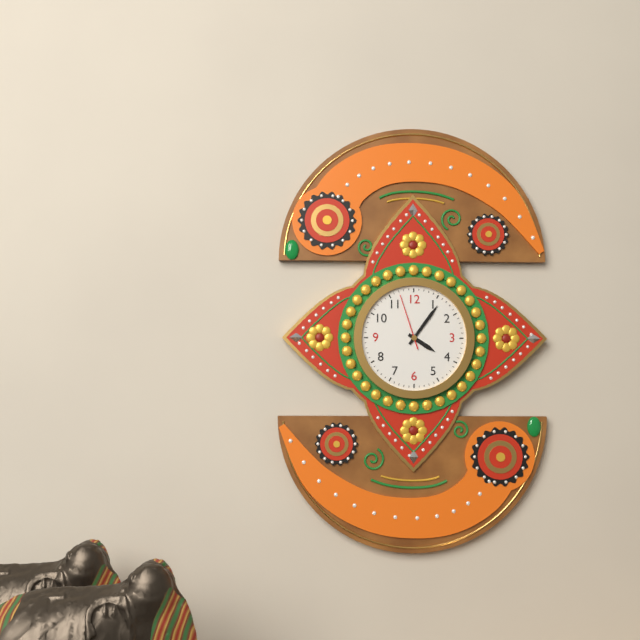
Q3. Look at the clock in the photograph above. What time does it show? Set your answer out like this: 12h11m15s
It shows 4h06m57s
